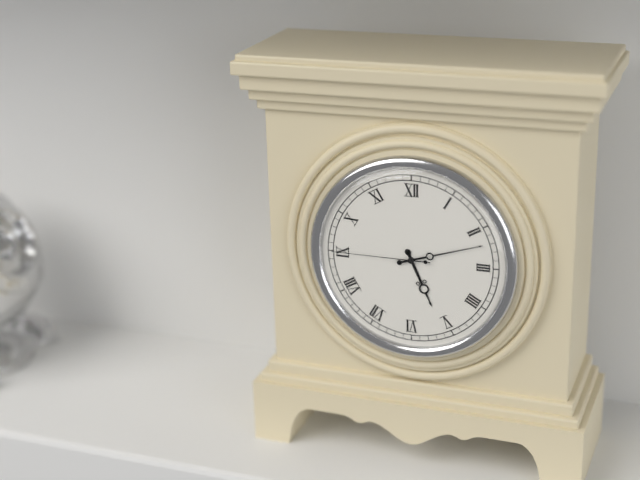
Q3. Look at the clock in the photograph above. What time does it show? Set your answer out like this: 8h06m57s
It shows 5h12m45s
